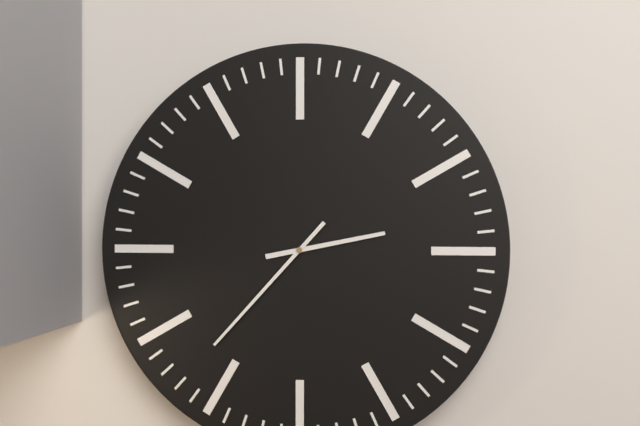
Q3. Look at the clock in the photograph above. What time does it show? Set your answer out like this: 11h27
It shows 2h37
